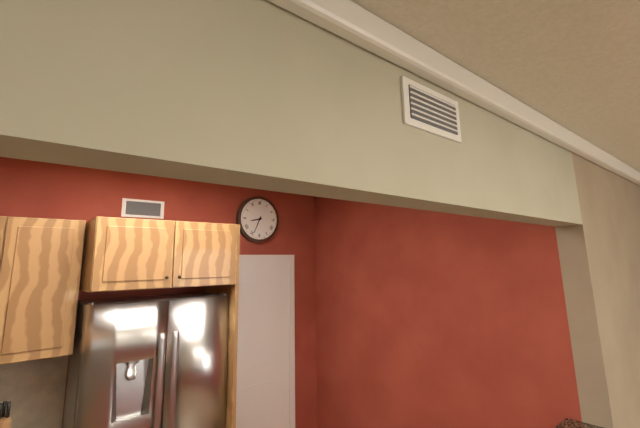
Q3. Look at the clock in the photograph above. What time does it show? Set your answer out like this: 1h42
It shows 8h34
